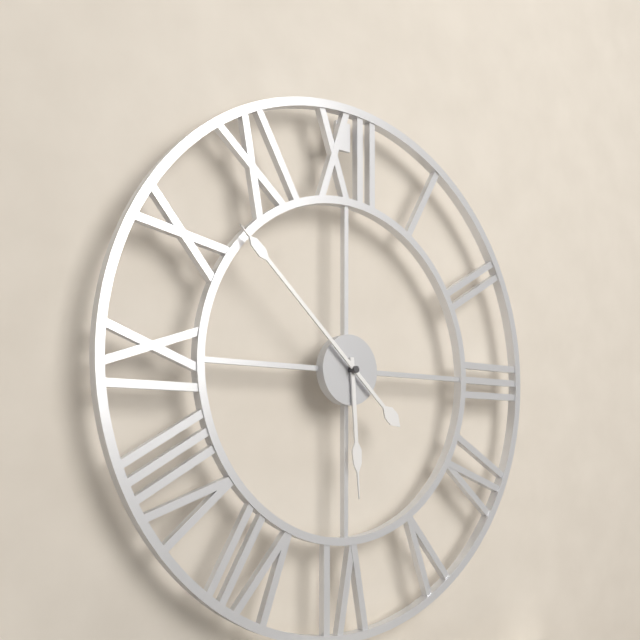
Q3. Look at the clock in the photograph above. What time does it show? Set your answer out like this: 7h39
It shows 5h52
